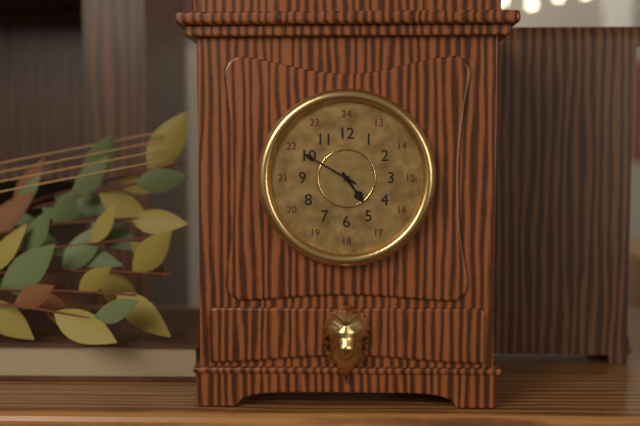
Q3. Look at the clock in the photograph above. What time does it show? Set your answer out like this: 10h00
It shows 4h50
